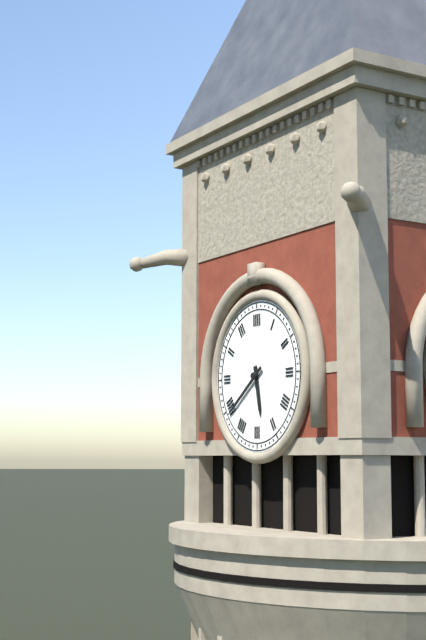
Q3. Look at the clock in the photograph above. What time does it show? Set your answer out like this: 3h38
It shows 5h39
